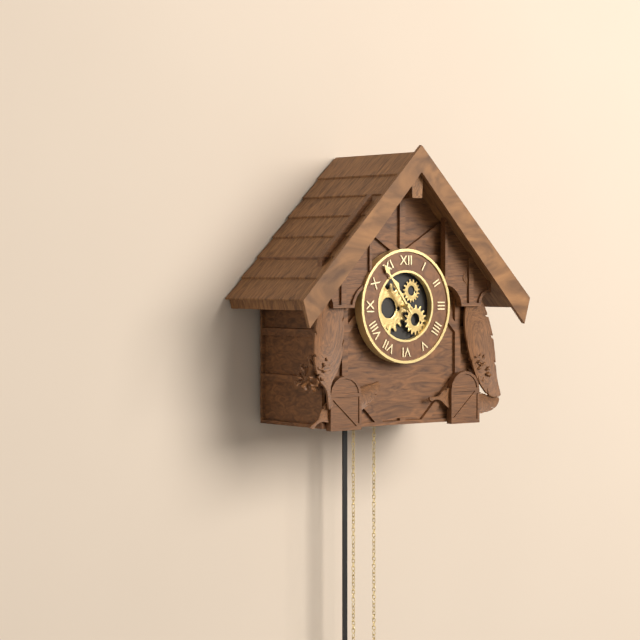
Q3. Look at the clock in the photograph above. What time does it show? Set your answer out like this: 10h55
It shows 10h54
